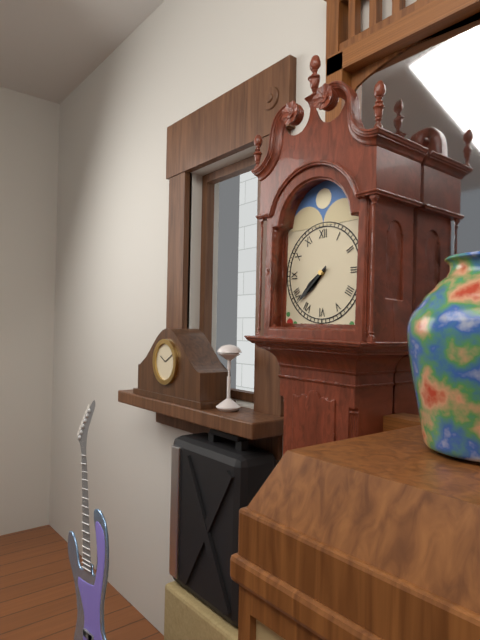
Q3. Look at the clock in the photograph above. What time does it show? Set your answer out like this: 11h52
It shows 7h38
